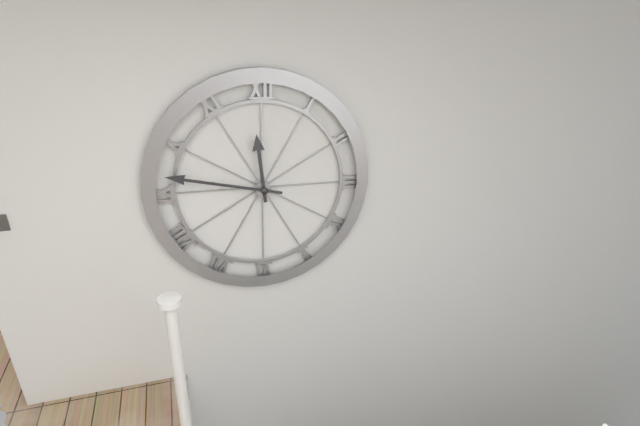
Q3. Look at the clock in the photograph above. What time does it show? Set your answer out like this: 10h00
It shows 11h47
